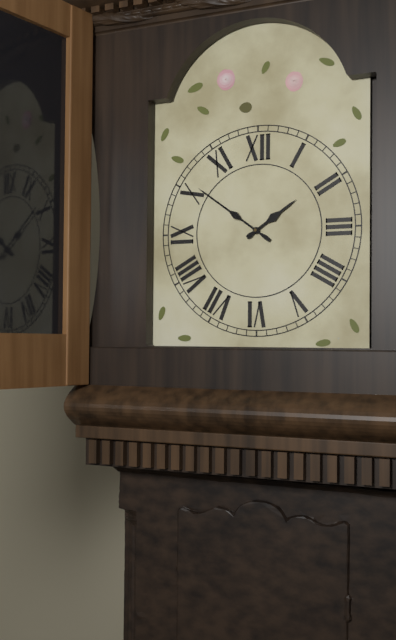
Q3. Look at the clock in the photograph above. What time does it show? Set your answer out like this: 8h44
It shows 1h51
